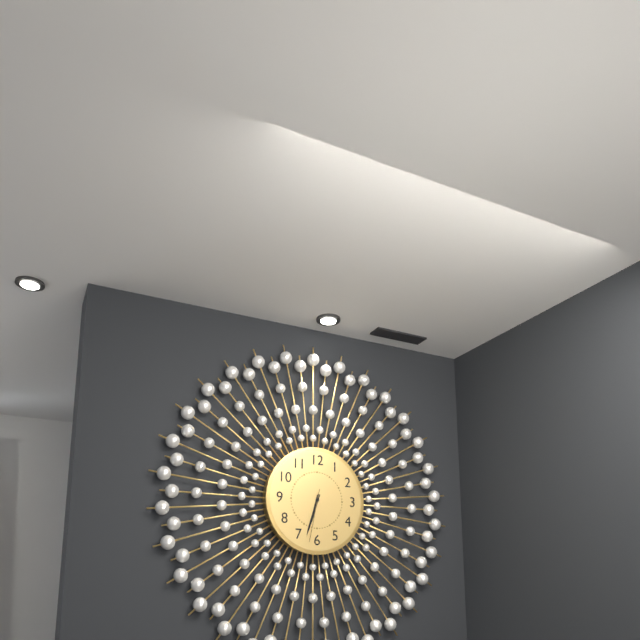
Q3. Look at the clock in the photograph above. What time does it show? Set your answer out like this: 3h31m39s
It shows 6h33m32s
